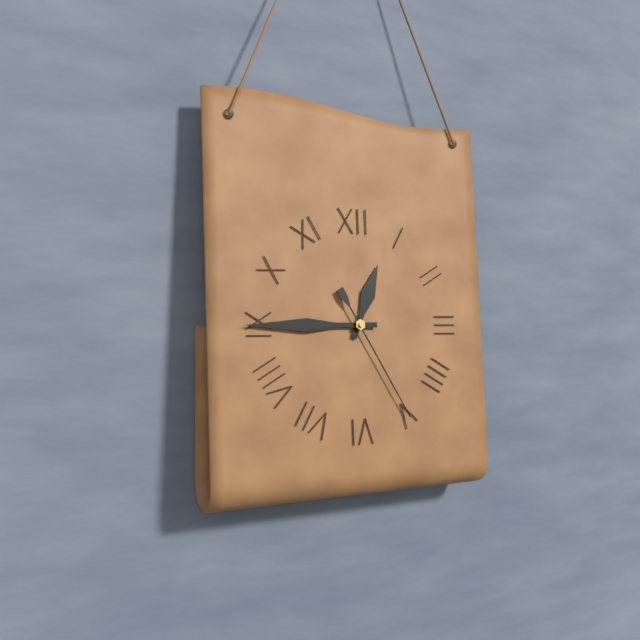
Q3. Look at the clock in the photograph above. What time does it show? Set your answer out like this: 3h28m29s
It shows 12h45m25s
